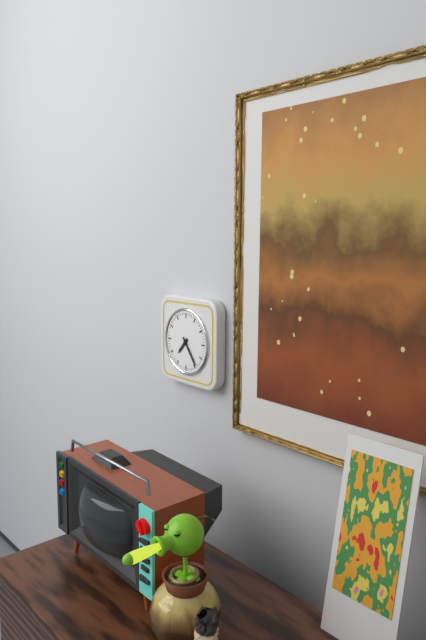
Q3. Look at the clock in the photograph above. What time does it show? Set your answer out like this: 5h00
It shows 7h24
